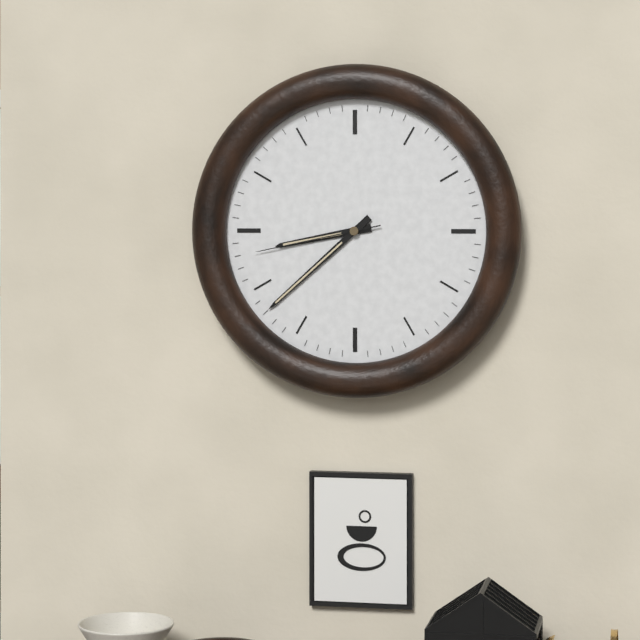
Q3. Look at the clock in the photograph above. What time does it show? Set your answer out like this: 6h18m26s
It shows 8h38m43s
